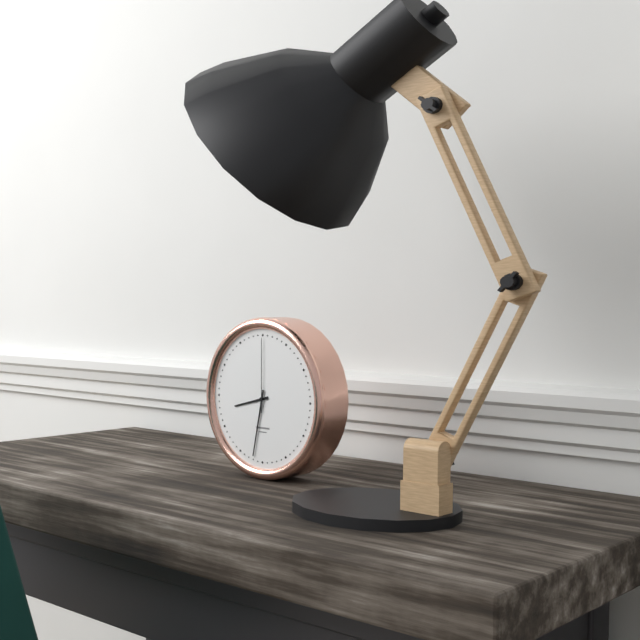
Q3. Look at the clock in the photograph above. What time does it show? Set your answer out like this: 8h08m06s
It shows 8h32m00s
